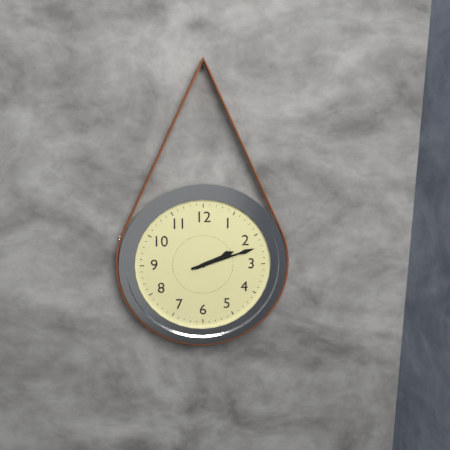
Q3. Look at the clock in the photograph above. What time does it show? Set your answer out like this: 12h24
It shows 2h12
